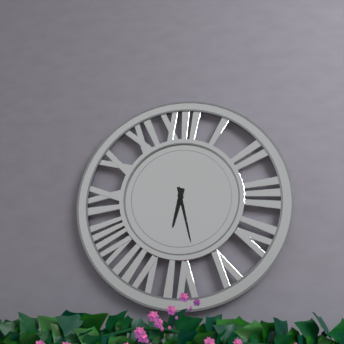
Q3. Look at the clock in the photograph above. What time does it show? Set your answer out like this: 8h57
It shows 6h28
